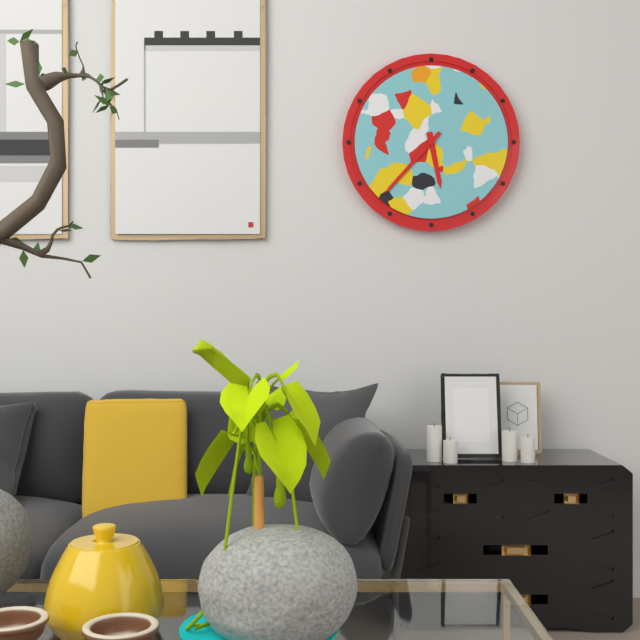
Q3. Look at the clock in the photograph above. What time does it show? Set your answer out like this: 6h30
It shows 5h37
